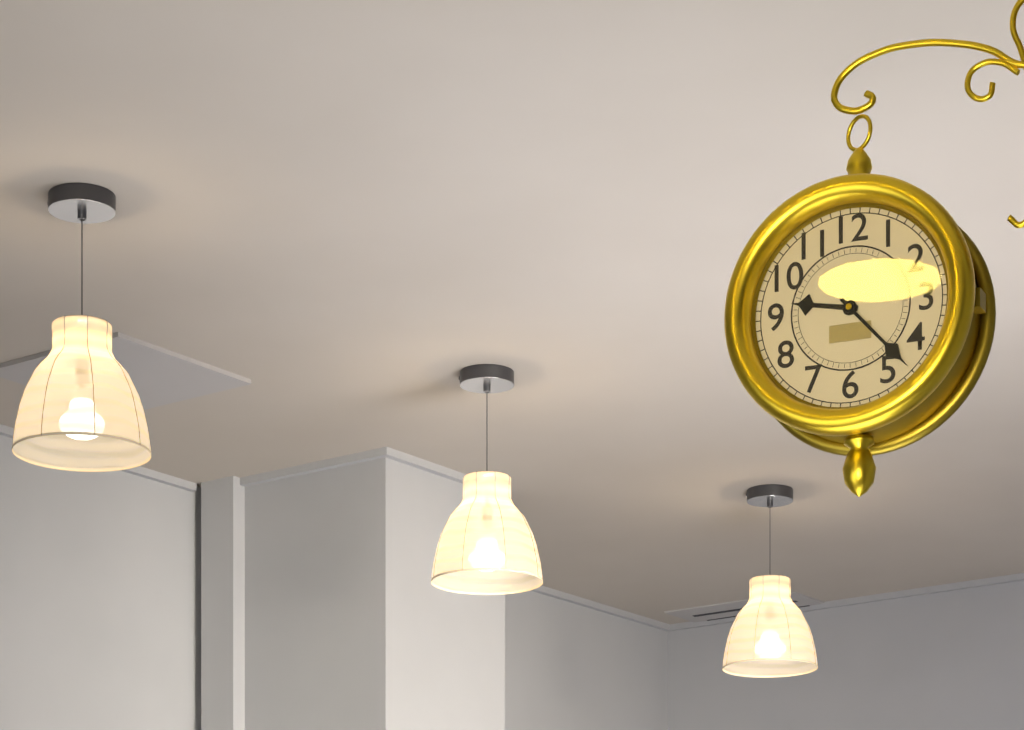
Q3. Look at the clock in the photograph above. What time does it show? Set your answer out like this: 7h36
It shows 9h23
